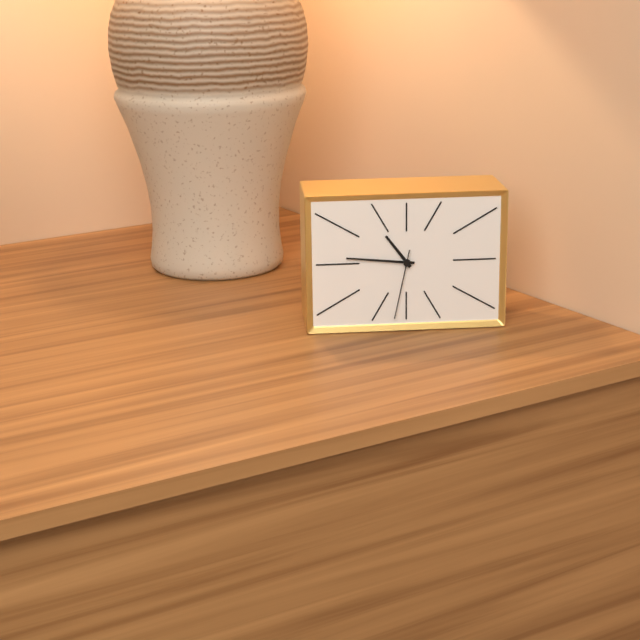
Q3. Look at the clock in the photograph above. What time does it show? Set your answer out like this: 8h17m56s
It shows 10h46m32s
